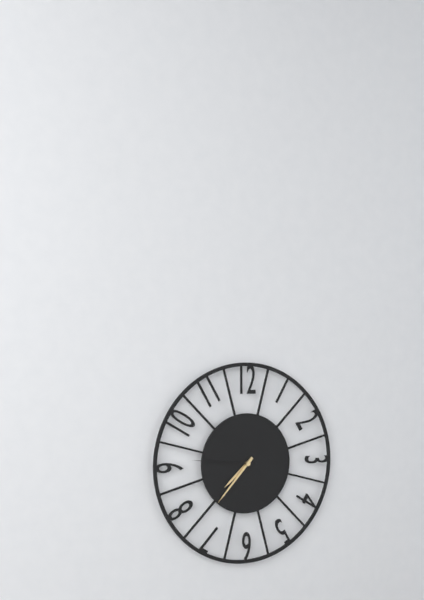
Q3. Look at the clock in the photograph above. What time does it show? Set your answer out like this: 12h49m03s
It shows 7h37m46s
